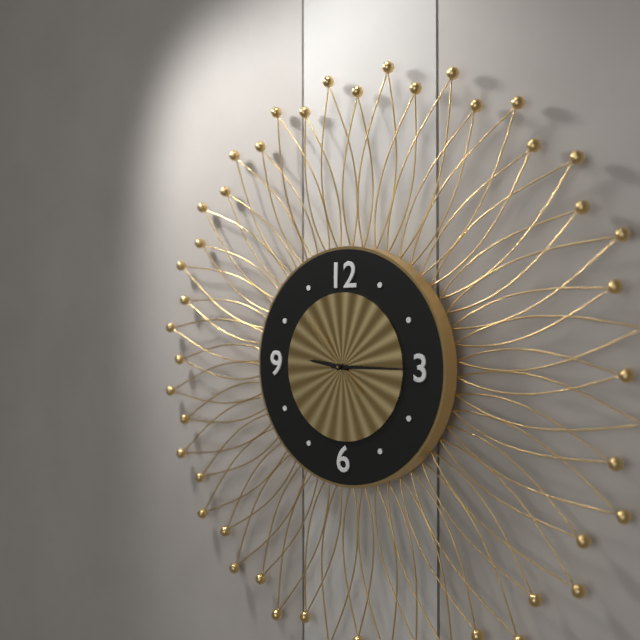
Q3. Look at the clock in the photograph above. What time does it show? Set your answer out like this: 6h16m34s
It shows 9h15m53s
